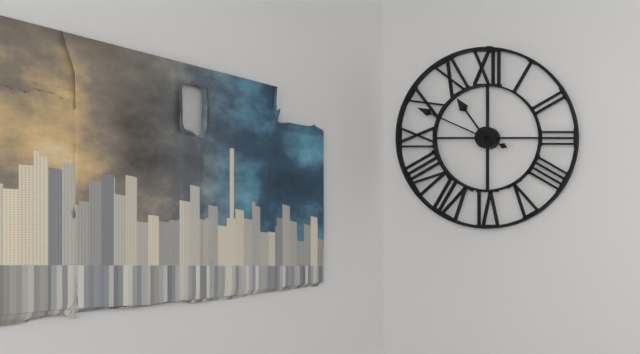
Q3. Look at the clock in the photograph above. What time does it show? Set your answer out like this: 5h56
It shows 10h49
